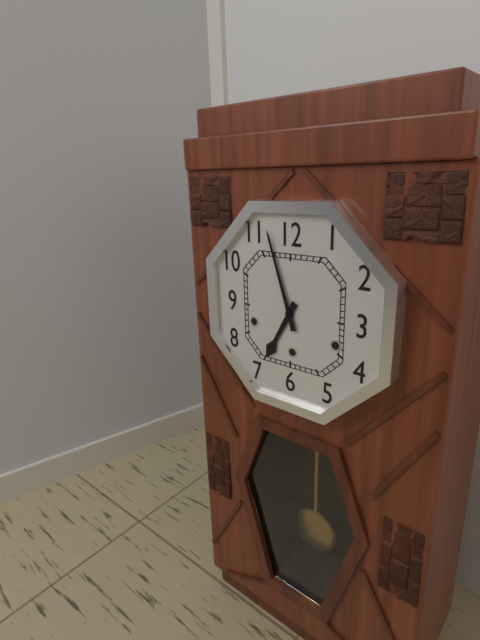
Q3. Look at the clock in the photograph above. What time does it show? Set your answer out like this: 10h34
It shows 6h57
